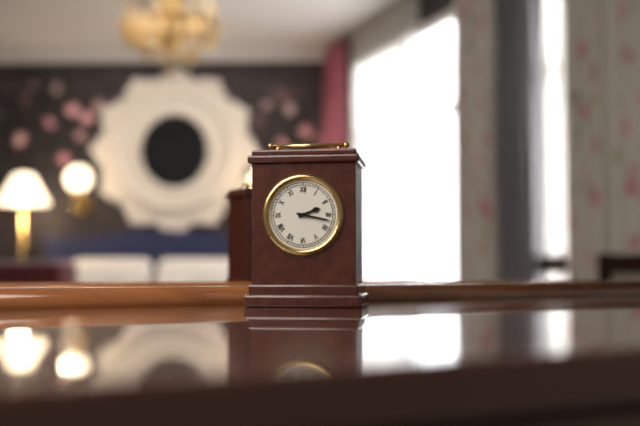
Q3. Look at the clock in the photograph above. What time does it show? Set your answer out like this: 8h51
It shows 2h17
